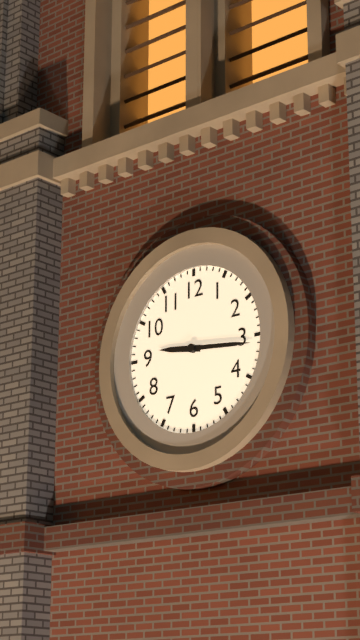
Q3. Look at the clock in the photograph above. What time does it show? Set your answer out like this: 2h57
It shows 9h16
